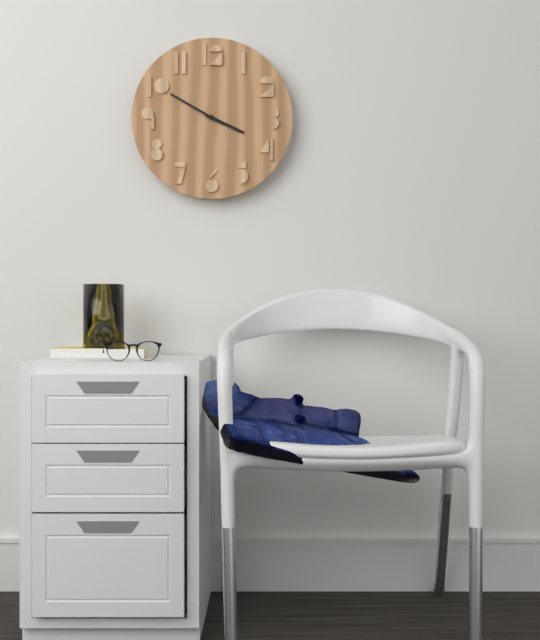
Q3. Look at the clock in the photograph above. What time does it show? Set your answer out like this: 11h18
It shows 3h50
